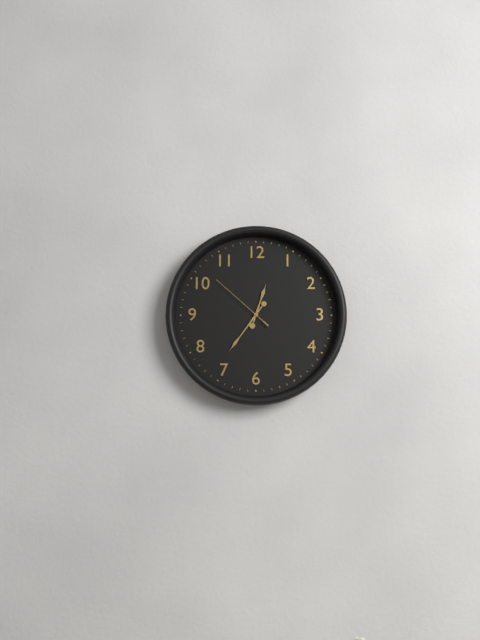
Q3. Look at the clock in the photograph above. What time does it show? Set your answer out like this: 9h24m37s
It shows 12h36m52s
